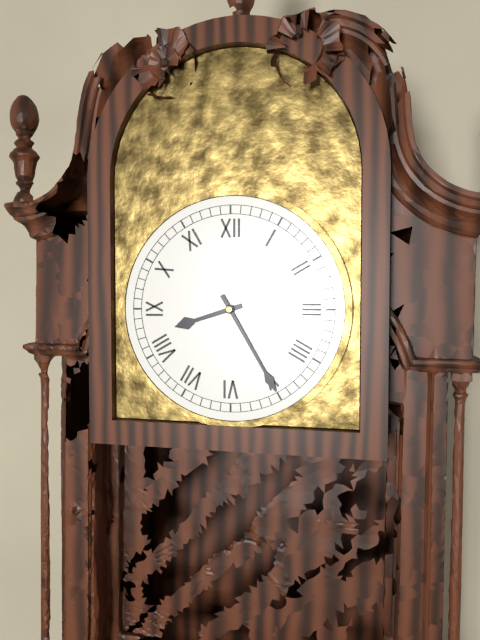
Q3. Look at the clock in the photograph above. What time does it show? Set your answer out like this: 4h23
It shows 8h25
